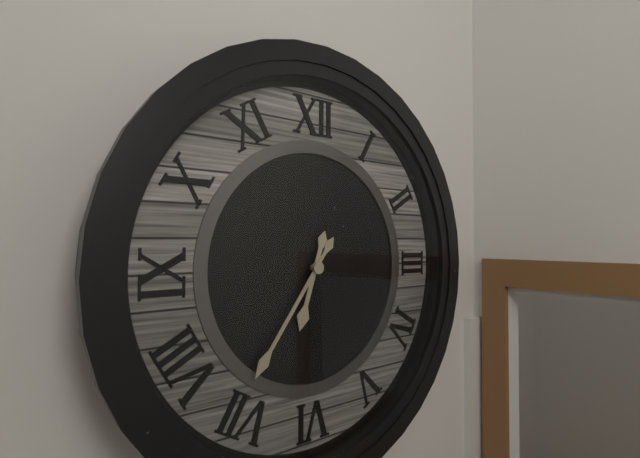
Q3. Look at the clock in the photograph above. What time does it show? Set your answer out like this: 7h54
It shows 6h36
